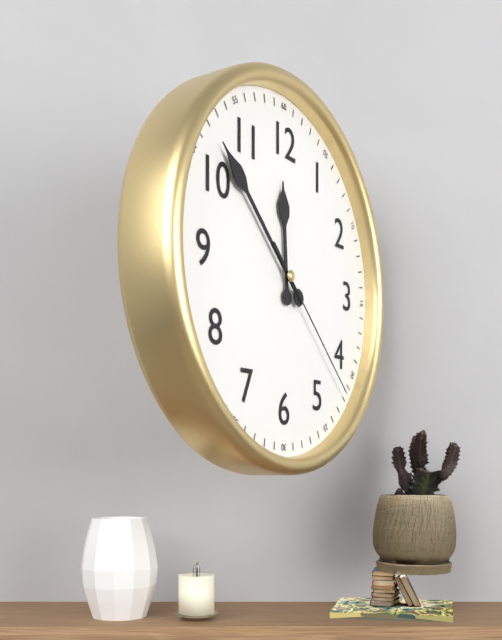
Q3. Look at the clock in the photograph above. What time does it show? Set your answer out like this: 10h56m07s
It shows 11h52m22s
